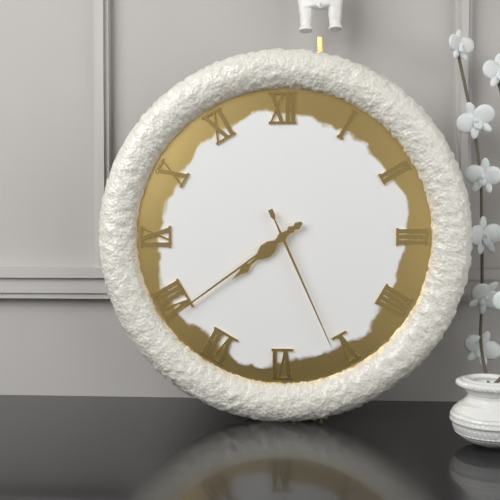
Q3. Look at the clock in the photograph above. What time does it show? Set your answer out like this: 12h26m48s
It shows 7h39m26s
